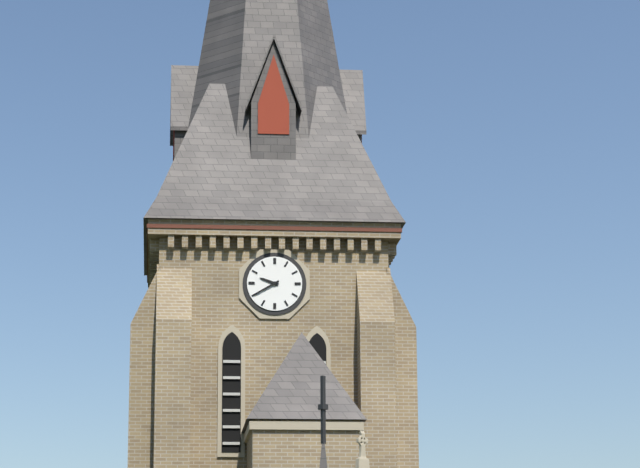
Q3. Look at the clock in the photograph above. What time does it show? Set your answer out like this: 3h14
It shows 9h40
